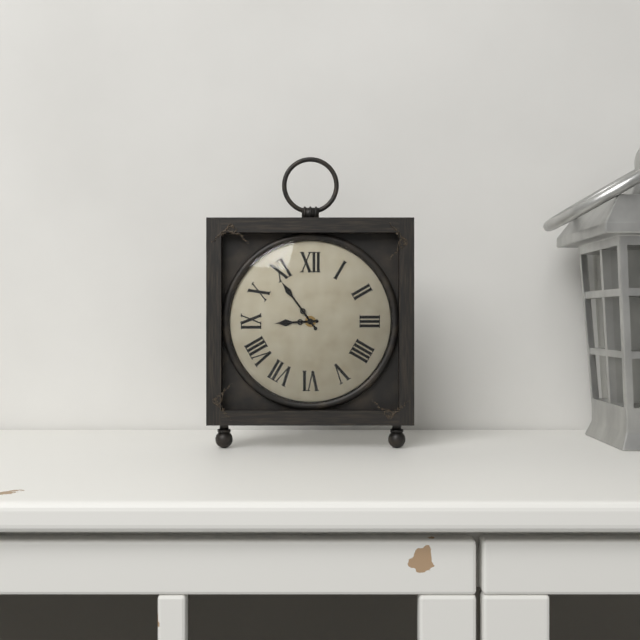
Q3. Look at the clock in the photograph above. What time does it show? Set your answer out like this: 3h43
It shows 8h54
